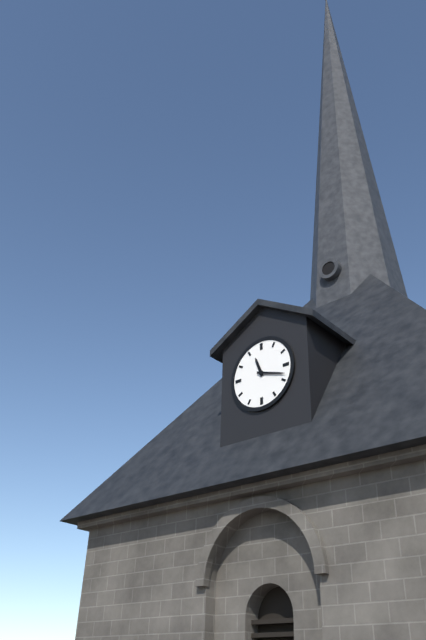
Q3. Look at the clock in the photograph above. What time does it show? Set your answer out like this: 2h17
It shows 11h18
